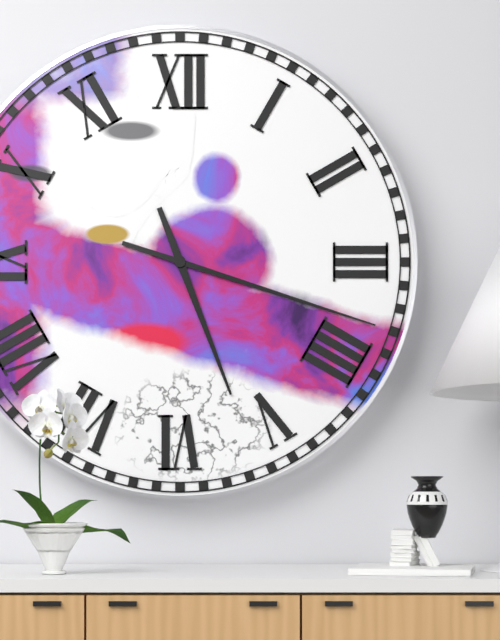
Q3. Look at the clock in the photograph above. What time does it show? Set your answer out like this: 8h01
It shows 5h18
